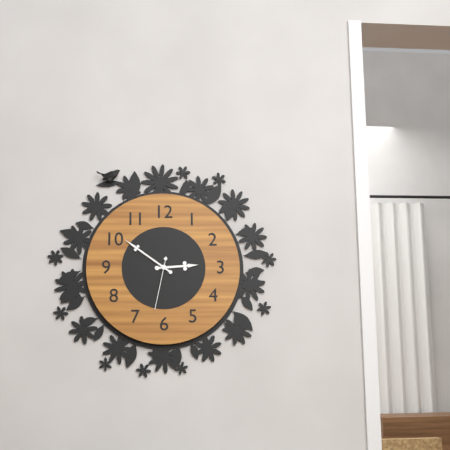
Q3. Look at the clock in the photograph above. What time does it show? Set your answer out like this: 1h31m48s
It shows 2h51m32s
